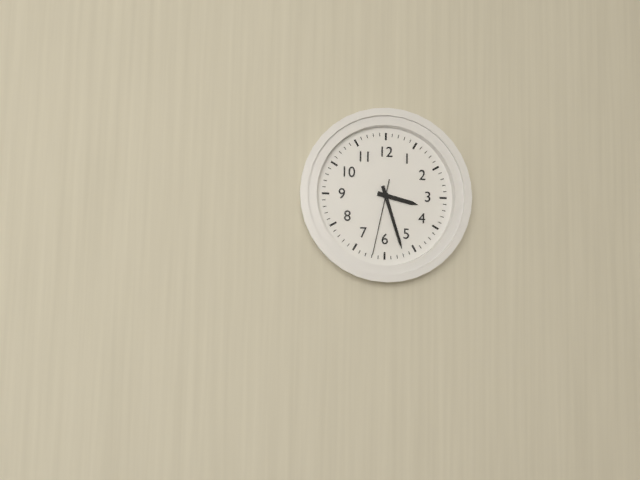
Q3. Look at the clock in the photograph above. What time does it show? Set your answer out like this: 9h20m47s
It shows 3h27m32s
